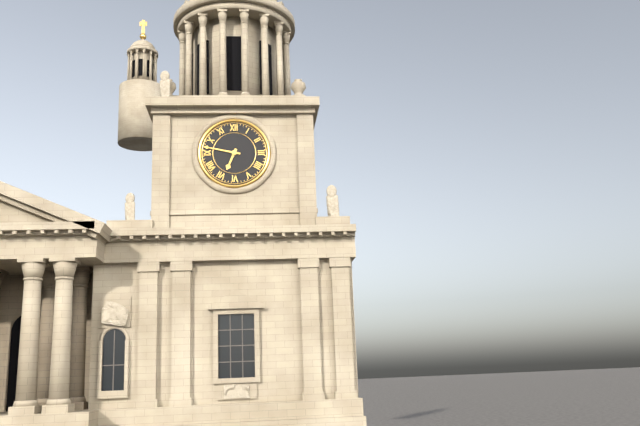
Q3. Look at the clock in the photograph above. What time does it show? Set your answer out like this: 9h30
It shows 6h47
